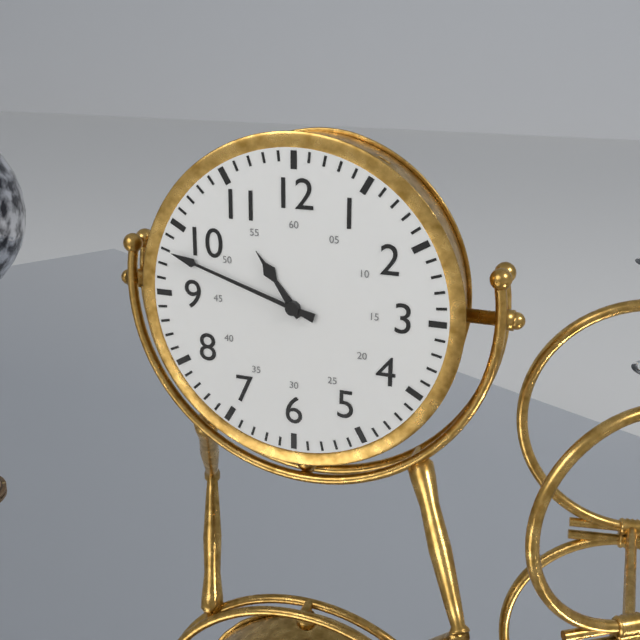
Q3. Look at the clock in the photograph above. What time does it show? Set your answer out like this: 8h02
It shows 10h48
